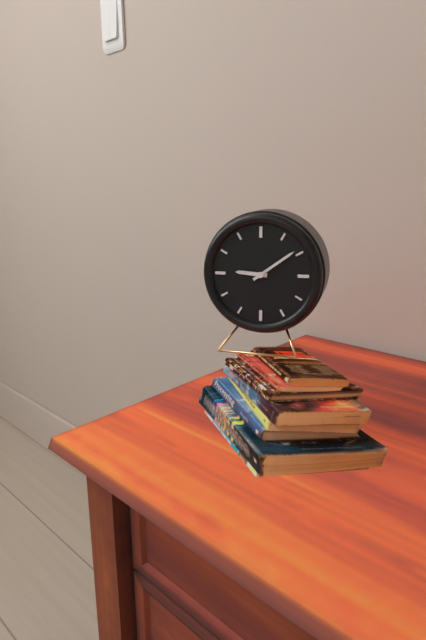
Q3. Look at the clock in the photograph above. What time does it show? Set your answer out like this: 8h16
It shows 9h09
